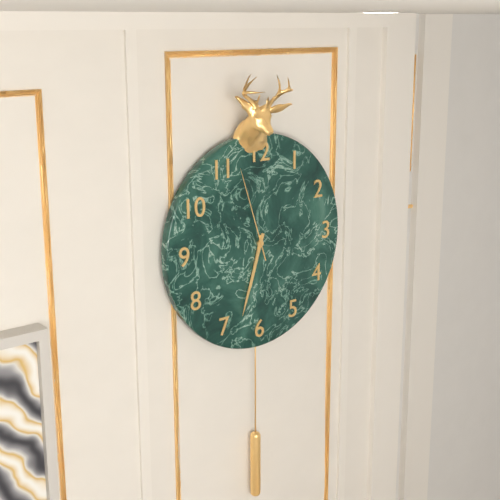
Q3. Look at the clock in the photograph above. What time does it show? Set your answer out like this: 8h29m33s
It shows 6h33m57s
